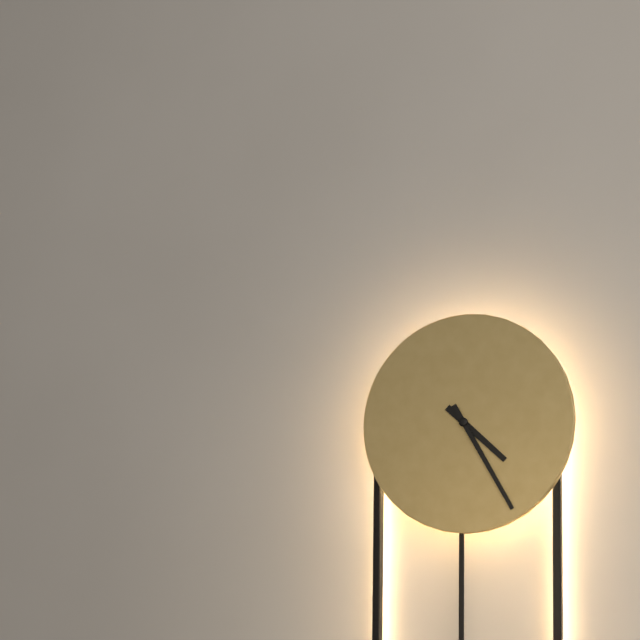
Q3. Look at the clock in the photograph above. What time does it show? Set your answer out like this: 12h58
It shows 4h25
